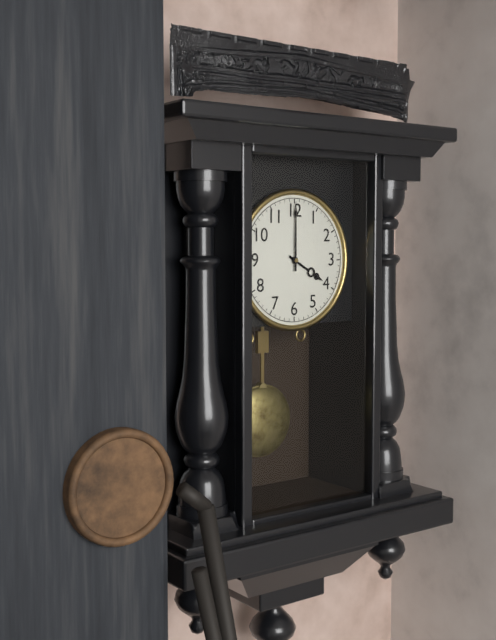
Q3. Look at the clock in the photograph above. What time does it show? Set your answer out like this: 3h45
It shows 4h00
